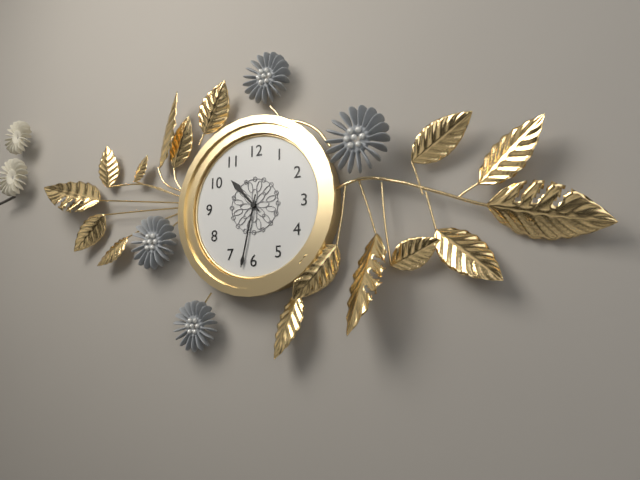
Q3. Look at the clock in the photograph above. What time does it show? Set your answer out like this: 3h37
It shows 10h32
